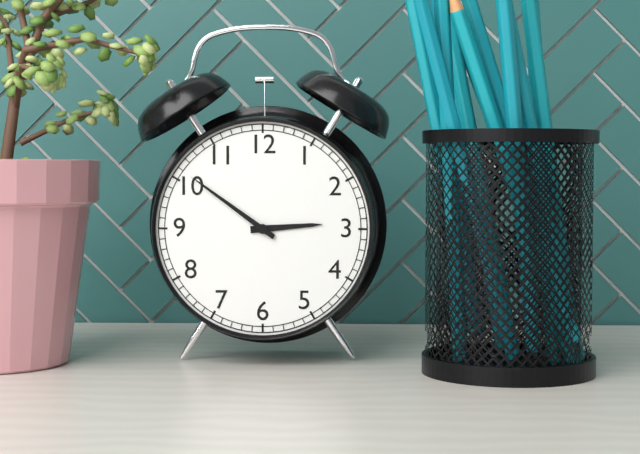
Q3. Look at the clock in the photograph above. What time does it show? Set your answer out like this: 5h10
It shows 2h51
